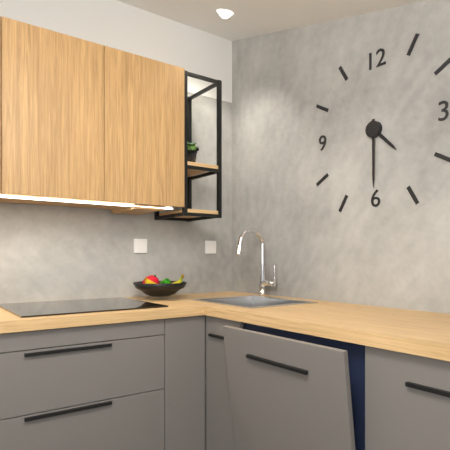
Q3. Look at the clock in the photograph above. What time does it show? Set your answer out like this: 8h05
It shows 4h30
